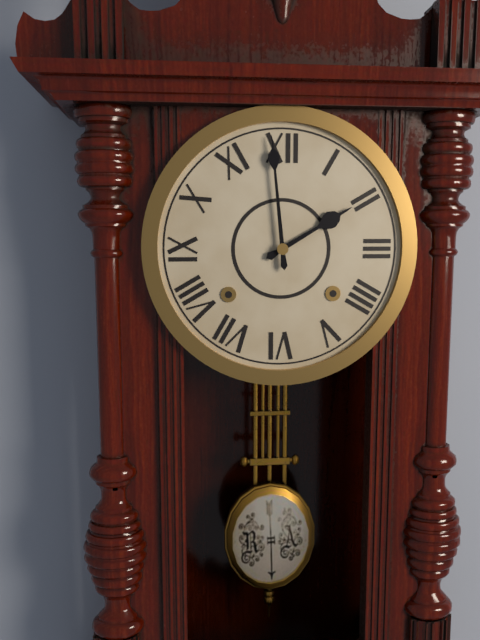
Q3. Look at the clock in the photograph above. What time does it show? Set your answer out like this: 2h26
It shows 1h59
